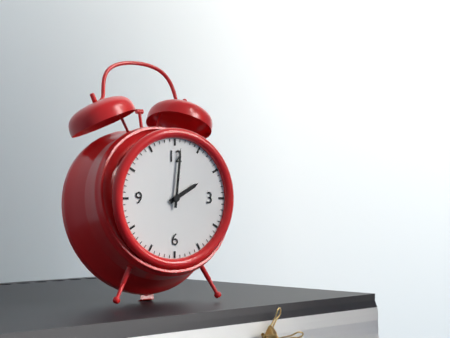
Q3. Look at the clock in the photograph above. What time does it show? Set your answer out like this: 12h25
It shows 2h01
